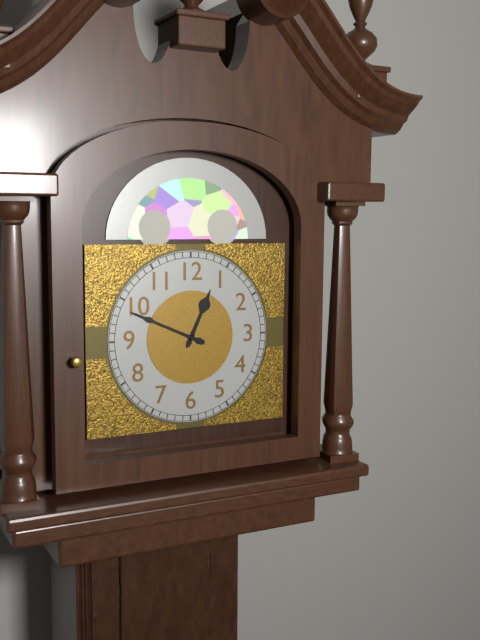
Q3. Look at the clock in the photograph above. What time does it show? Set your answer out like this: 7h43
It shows 12h49
